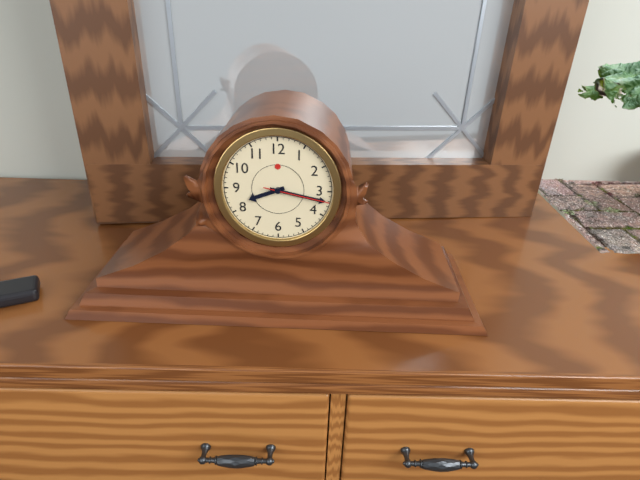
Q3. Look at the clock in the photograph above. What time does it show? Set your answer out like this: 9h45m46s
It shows 8h17m17s
